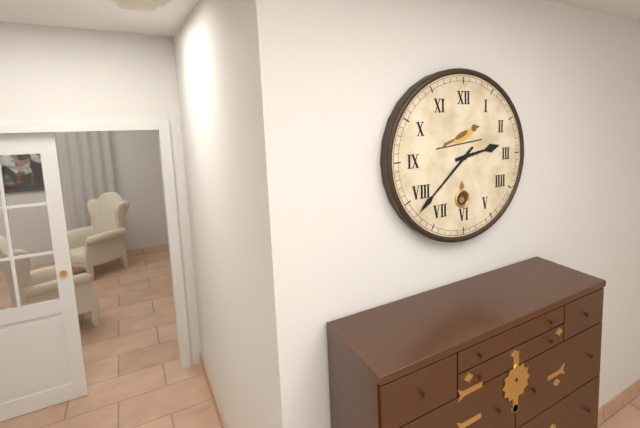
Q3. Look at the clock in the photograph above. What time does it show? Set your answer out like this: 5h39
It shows 2h38
